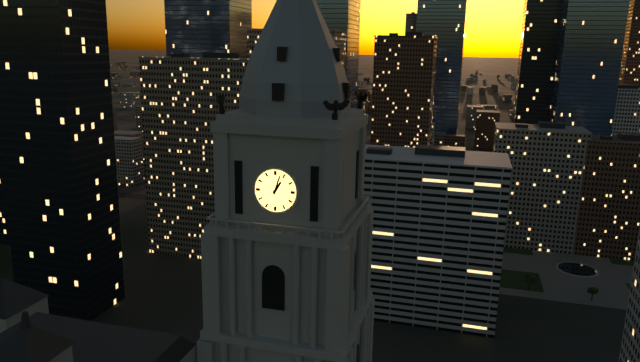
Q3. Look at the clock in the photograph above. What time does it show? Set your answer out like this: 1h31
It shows 1h03
